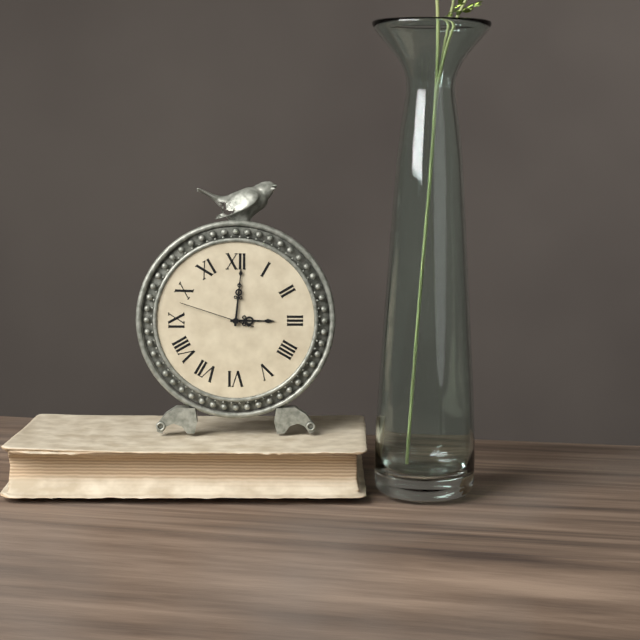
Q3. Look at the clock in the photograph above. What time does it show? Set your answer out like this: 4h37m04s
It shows 3h01m48s
